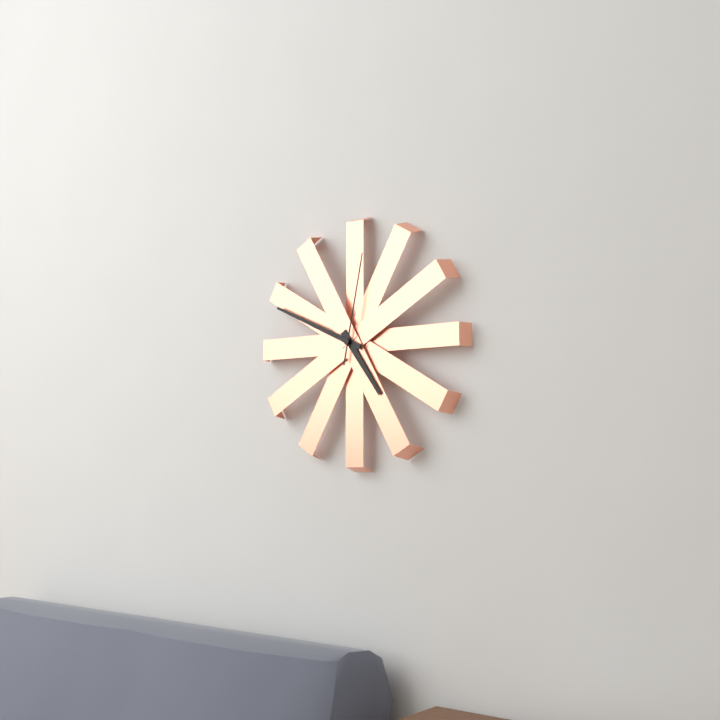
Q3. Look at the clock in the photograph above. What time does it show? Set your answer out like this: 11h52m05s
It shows 4h49m02s
